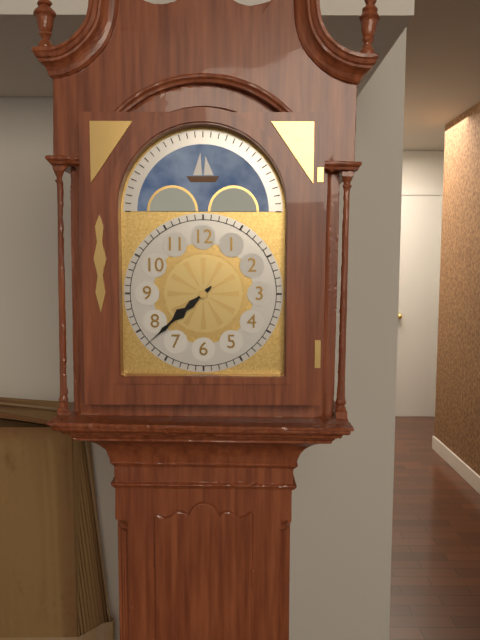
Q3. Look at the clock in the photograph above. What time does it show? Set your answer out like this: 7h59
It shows 7h38
